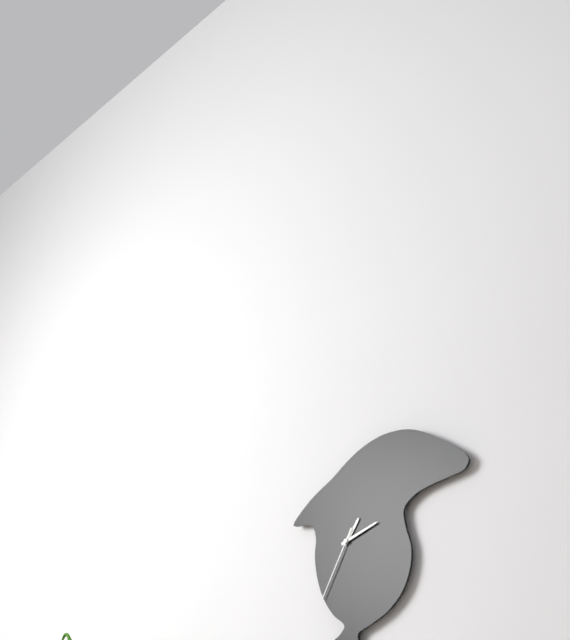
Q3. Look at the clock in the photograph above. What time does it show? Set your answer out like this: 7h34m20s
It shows 1h12m35s
